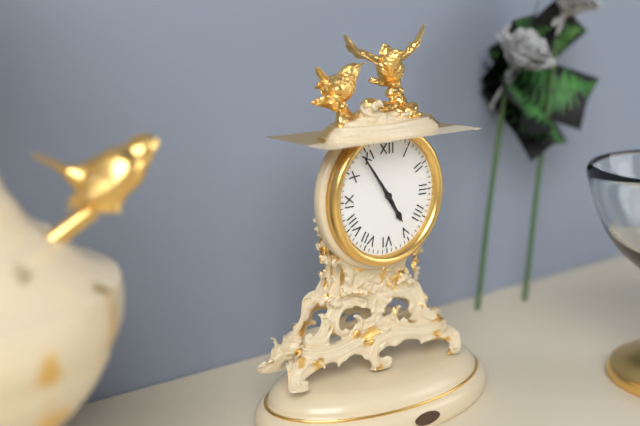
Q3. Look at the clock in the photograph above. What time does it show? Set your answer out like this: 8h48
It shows 4h54
